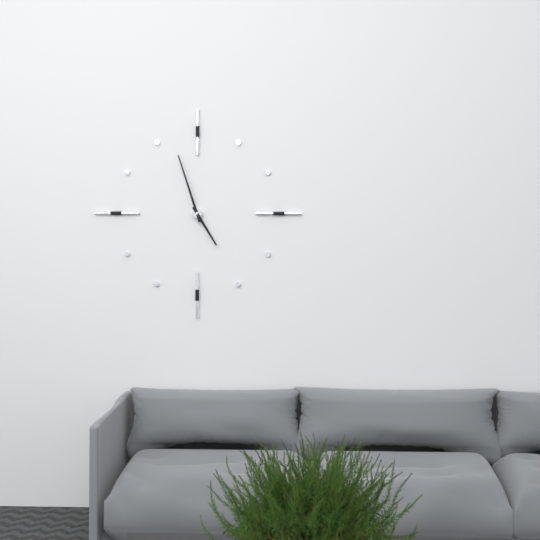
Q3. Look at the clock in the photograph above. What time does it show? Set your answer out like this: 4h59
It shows 4h57
